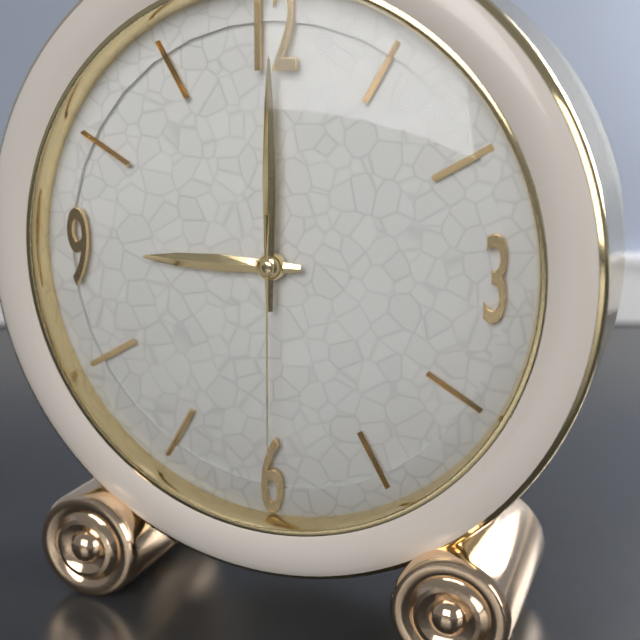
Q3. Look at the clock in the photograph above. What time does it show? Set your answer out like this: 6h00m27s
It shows 9h00m30s
